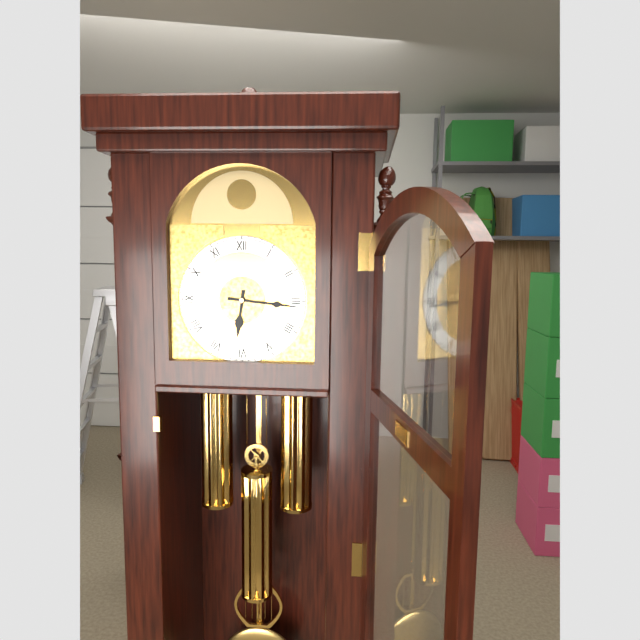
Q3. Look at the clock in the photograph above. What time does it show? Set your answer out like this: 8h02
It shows 6h16
